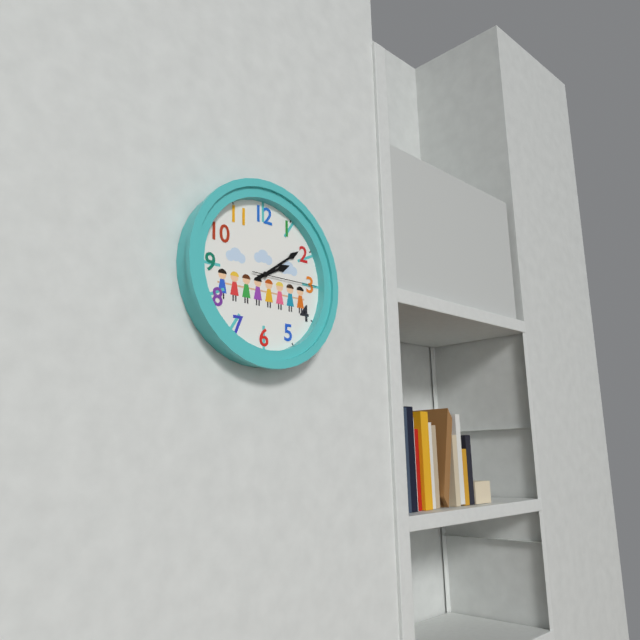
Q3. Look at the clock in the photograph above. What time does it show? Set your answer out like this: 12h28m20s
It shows 2h09m15s
